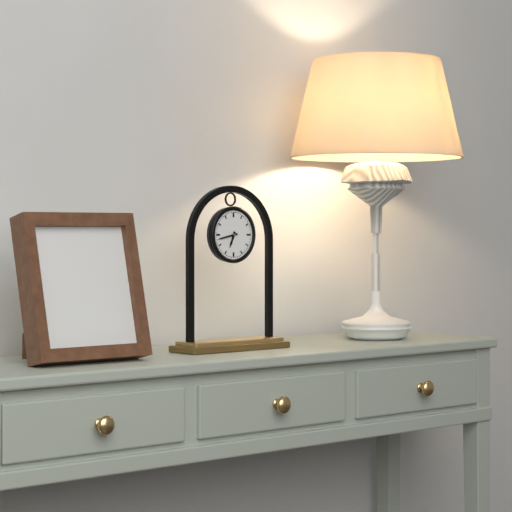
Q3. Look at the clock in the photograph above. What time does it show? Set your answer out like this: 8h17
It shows 6h43
